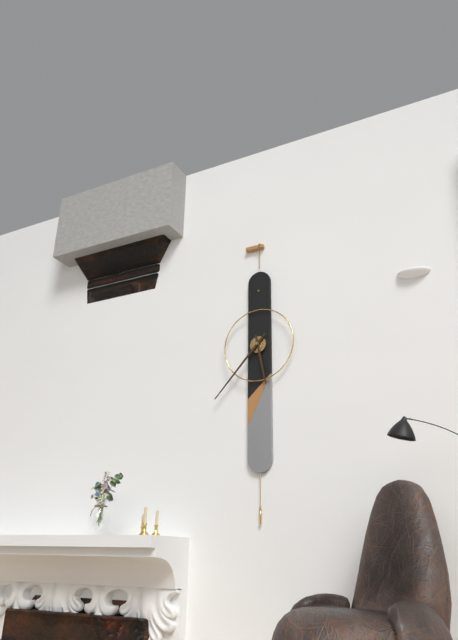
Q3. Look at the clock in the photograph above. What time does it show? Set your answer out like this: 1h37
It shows 5h37
